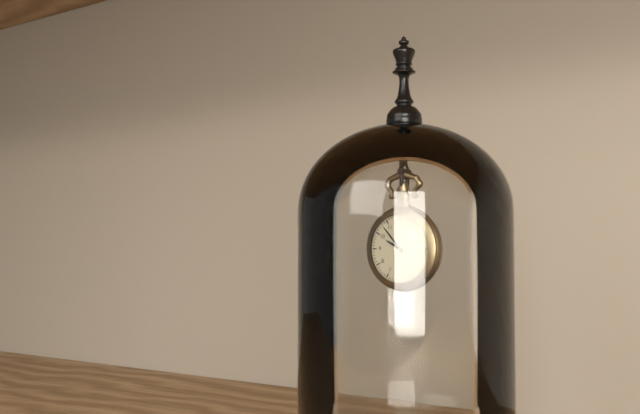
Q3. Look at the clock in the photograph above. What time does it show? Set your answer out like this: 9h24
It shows 9h53
